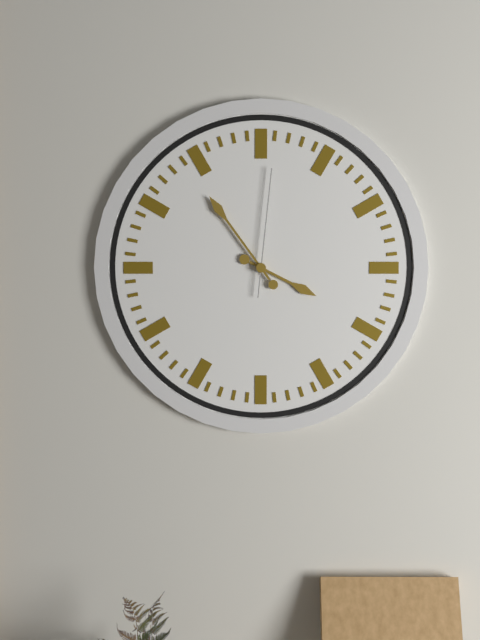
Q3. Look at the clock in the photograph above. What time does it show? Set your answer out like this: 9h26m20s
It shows 3h54m01s
